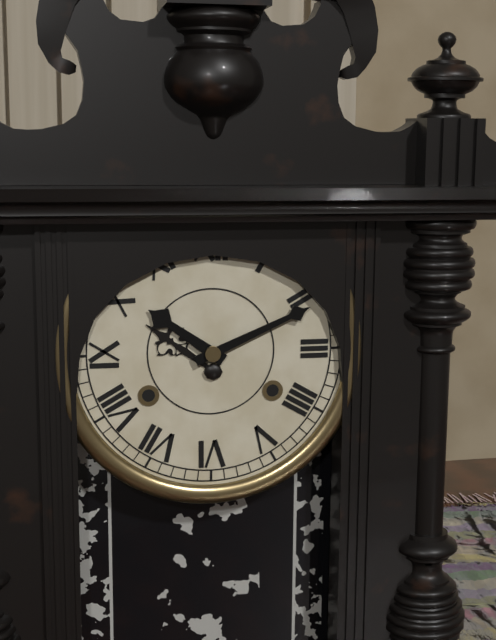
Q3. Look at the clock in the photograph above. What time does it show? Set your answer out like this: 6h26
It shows 10h11
